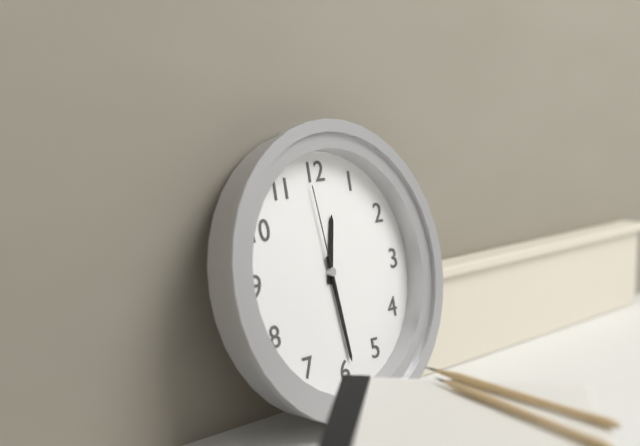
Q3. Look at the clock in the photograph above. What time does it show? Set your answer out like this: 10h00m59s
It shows 12h29m59s
